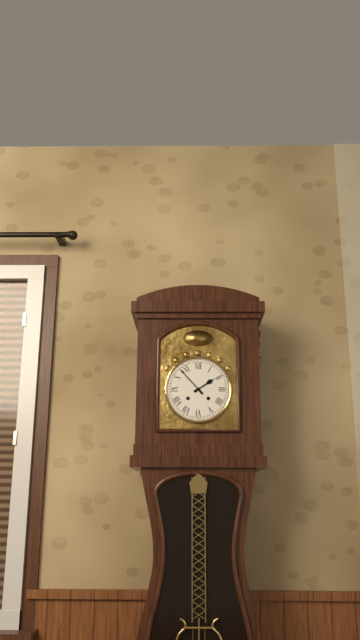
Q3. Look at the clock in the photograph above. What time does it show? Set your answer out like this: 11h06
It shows 1h53
